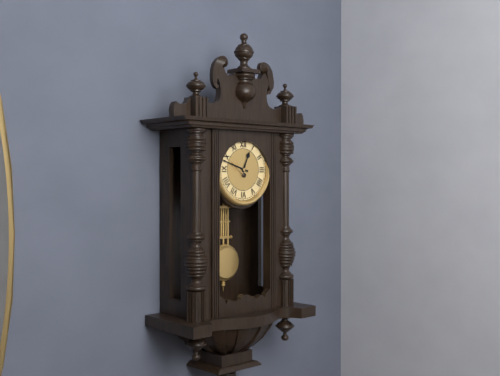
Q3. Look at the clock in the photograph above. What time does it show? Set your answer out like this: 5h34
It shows 12h48
